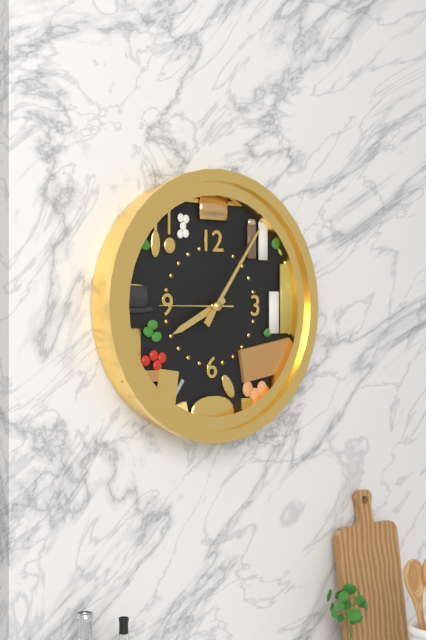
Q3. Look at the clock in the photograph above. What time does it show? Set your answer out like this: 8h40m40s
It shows 8h06m45s
